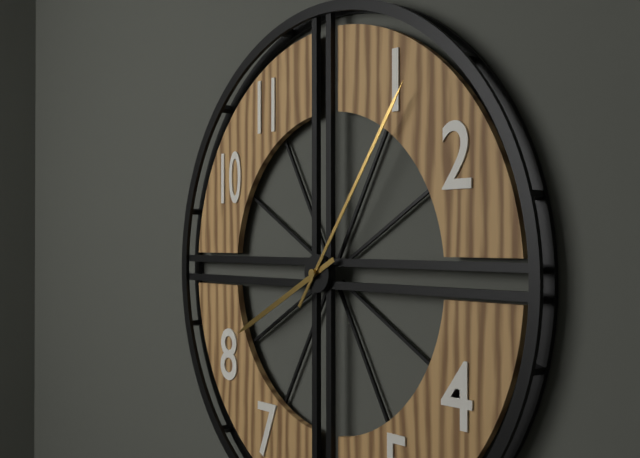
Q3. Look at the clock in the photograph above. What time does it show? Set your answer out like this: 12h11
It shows 8h06
